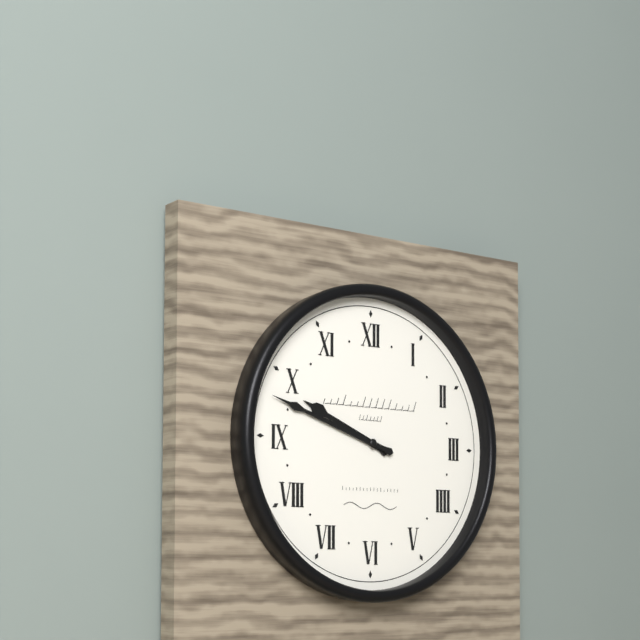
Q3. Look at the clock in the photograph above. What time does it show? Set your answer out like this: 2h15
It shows 9h48
